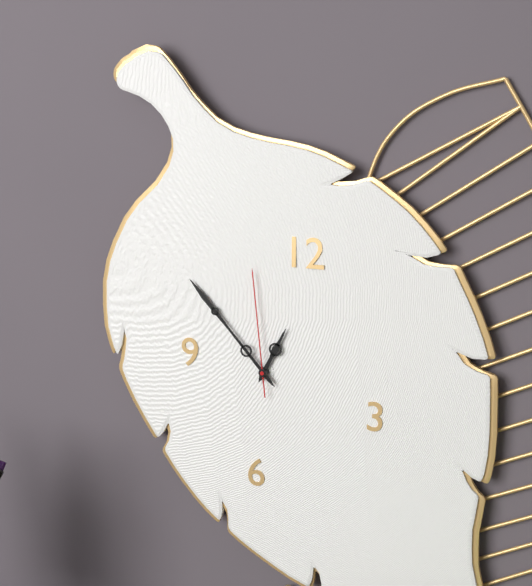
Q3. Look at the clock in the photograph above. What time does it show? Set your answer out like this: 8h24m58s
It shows 12h53m59s
